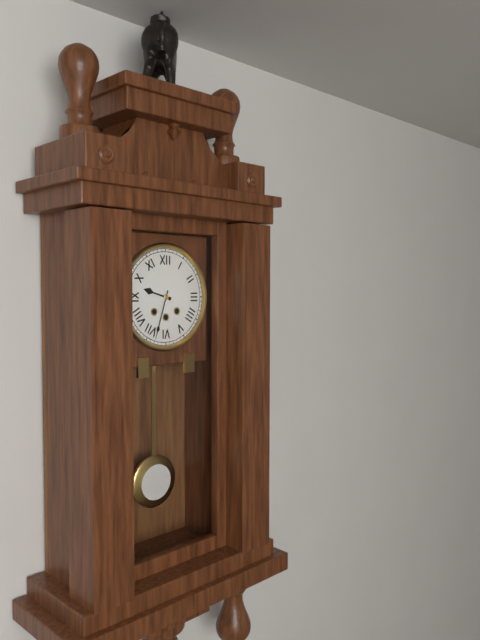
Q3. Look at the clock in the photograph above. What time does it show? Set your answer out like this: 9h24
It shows 9h33
